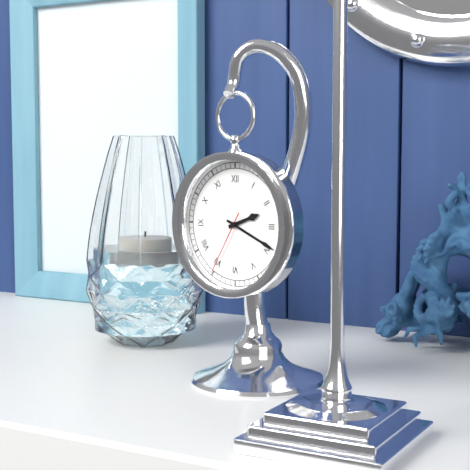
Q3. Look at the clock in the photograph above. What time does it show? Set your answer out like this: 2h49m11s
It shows 2h19m35s
